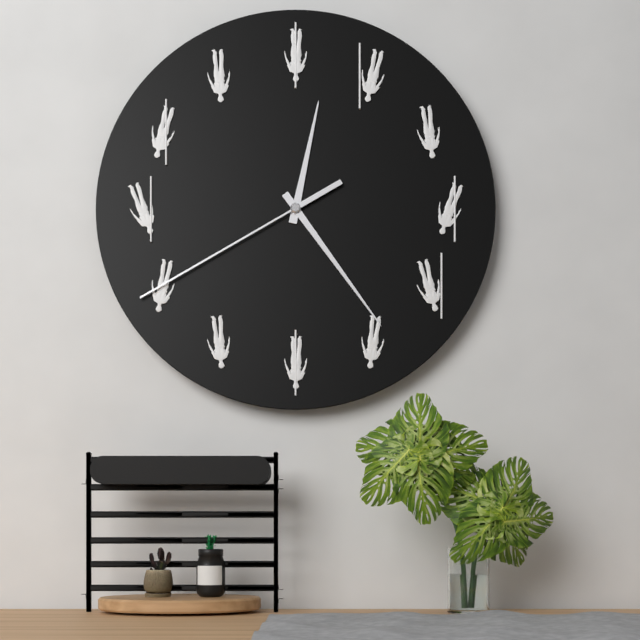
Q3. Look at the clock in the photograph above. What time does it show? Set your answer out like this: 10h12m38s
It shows 12h24m40s
